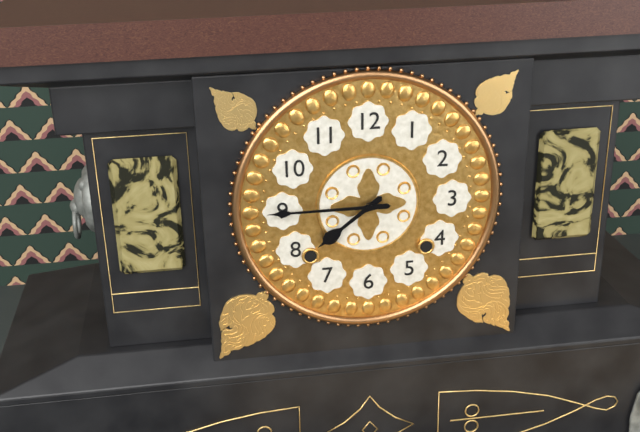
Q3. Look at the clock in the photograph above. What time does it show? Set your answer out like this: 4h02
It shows 7h45
